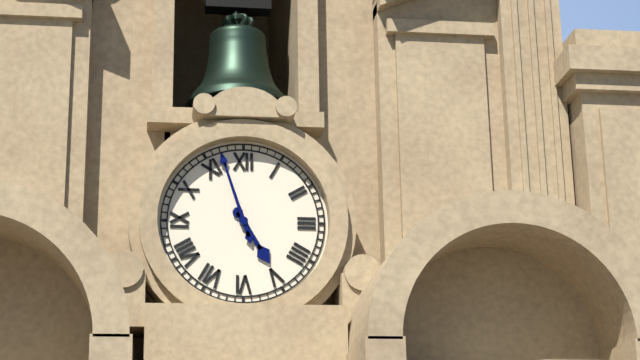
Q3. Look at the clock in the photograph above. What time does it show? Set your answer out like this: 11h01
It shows 4h57
